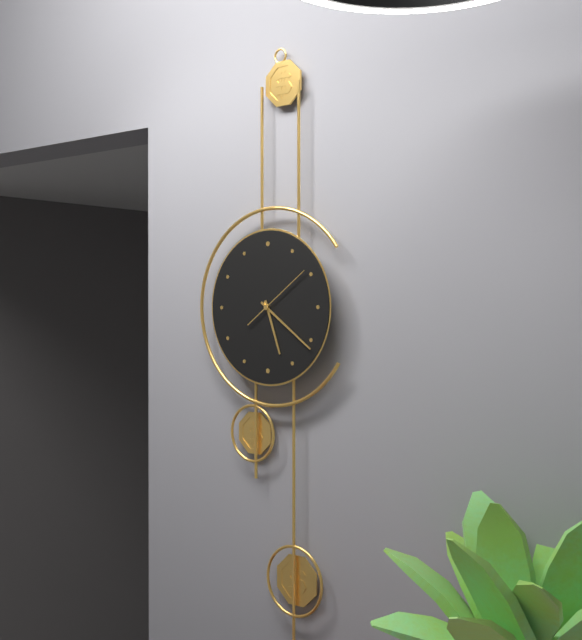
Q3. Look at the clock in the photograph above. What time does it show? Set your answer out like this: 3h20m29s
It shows 5h21m09s
